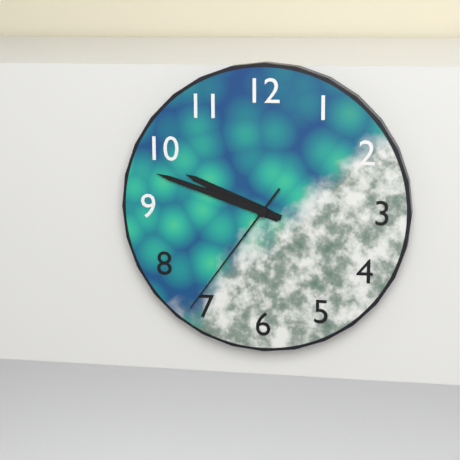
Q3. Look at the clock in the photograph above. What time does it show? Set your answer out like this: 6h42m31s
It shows 9h48m36s
